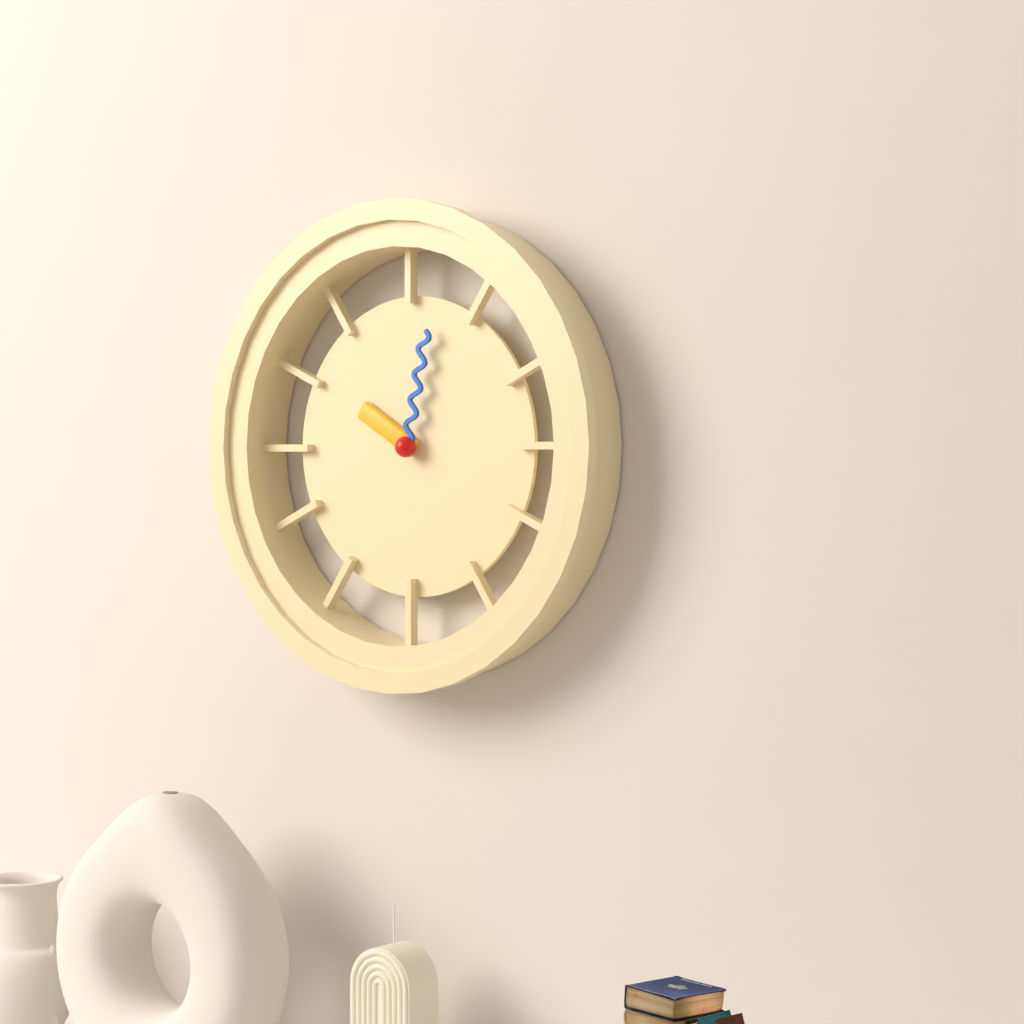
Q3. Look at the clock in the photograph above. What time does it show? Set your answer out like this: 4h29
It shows 10h02
